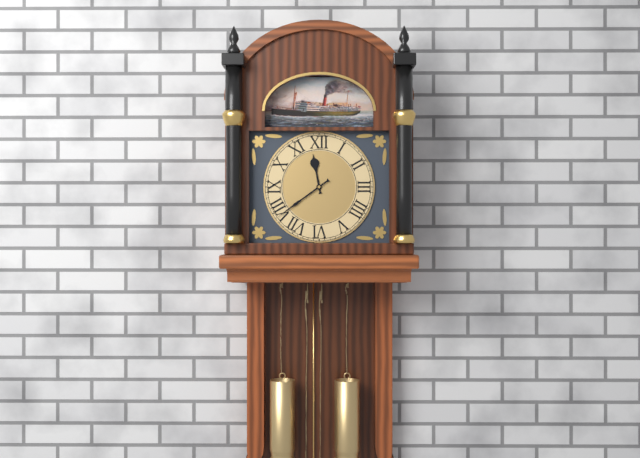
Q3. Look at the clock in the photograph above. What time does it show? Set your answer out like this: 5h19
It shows 11h39
